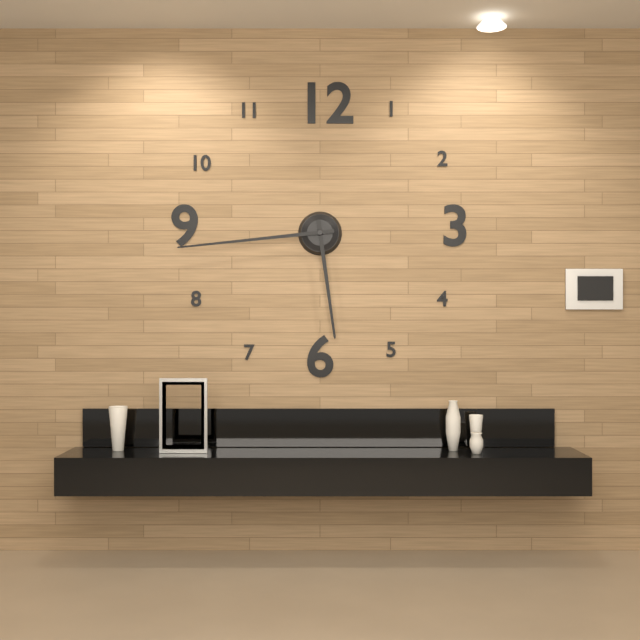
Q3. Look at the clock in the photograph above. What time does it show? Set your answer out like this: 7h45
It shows 5h44
